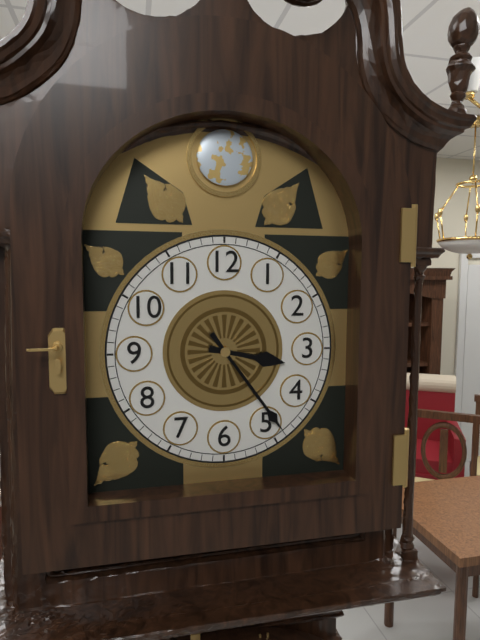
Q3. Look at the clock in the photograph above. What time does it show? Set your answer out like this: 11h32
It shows 3h24
